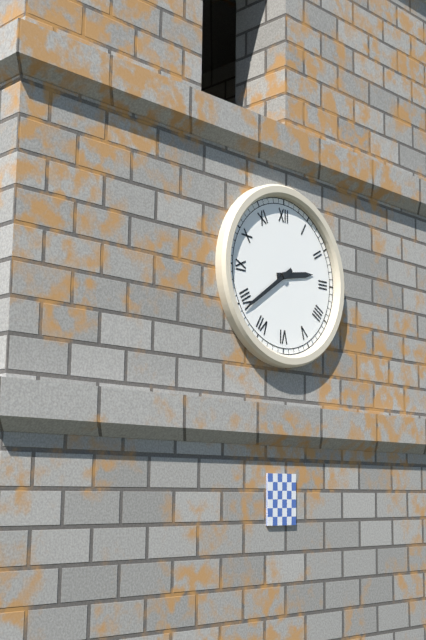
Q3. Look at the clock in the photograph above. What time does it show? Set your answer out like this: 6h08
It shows 2h39
